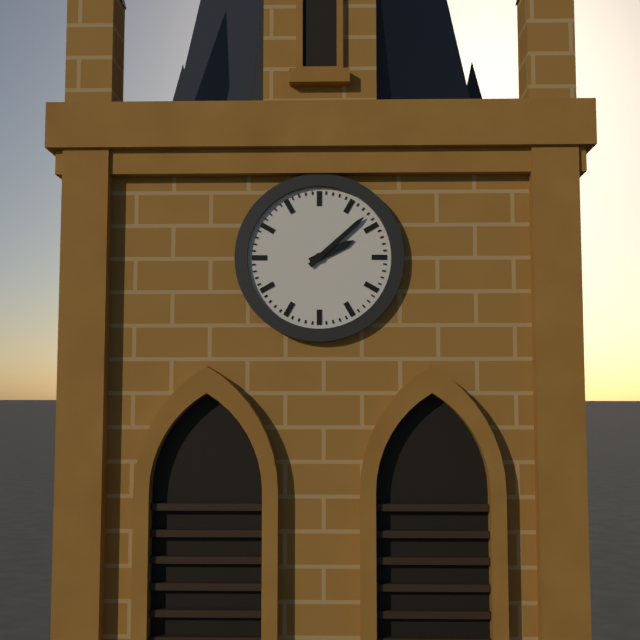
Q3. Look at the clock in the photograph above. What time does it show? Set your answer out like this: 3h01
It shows 2h08
